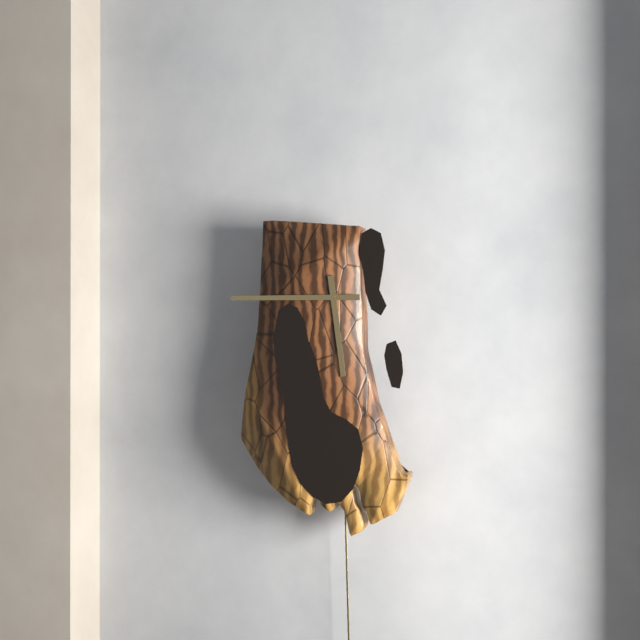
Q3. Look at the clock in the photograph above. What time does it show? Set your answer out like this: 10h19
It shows 5h45
